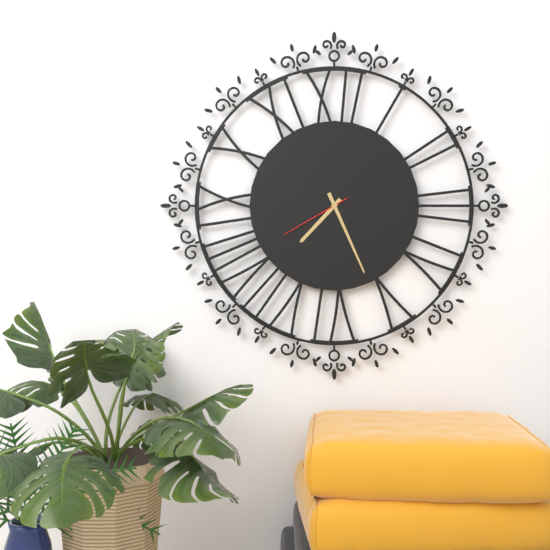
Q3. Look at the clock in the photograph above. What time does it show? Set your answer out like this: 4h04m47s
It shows 7h26m40s
